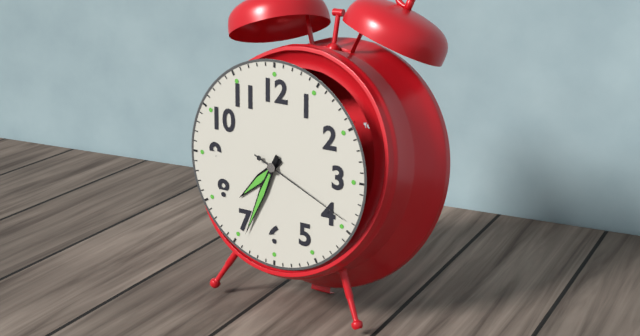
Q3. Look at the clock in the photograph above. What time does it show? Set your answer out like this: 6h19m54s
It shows 7h34m19s
